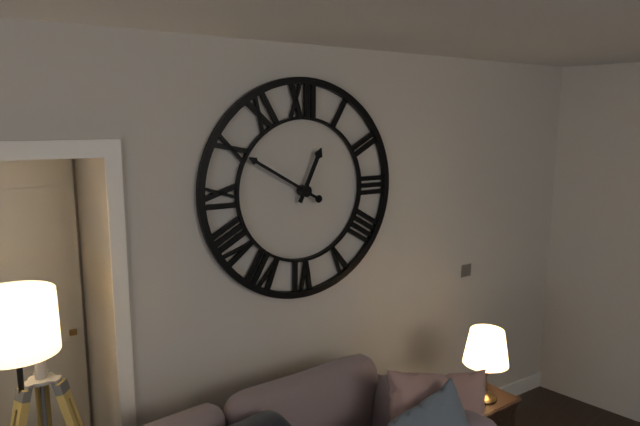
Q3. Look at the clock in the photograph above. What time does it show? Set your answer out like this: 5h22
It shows 12h50
